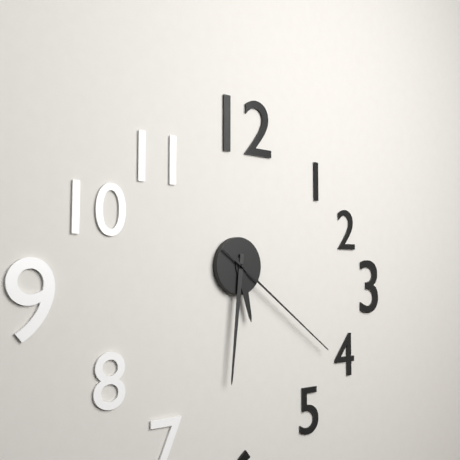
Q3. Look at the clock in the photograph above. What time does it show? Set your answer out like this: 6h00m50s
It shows 5h31m21s
